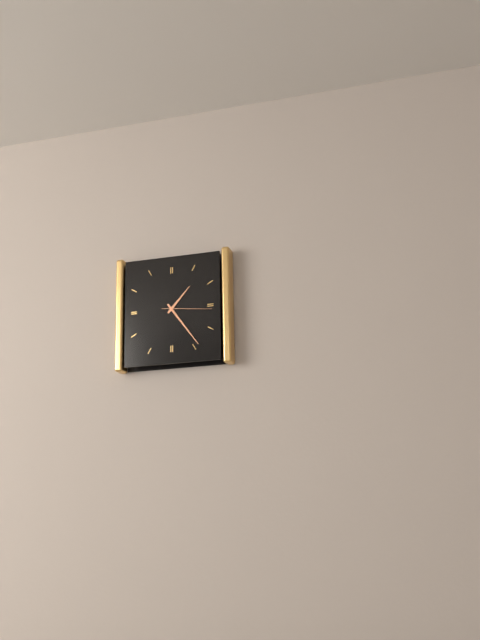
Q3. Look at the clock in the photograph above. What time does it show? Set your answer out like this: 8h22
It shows 1h24
